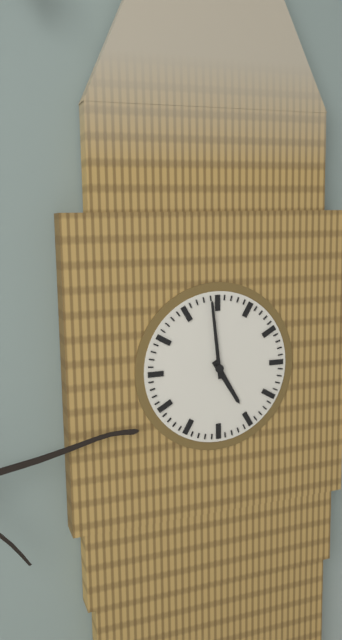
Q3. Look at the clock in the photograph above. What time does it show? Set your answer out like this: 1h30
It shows 4h59
